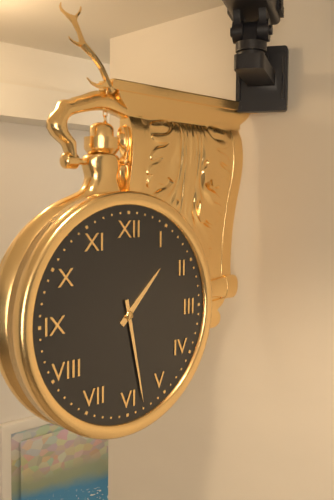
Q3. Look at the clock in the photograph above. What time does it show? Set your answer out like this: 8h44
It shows 1h28
